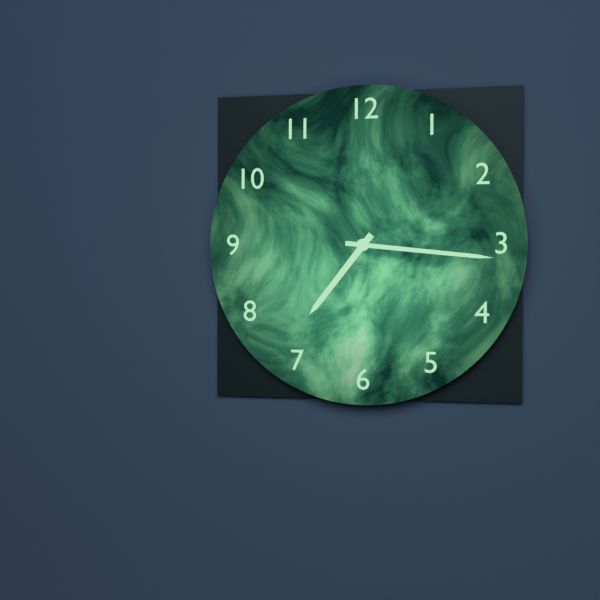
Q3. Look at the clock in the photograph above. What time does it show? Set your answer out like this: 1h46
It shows 7h16
